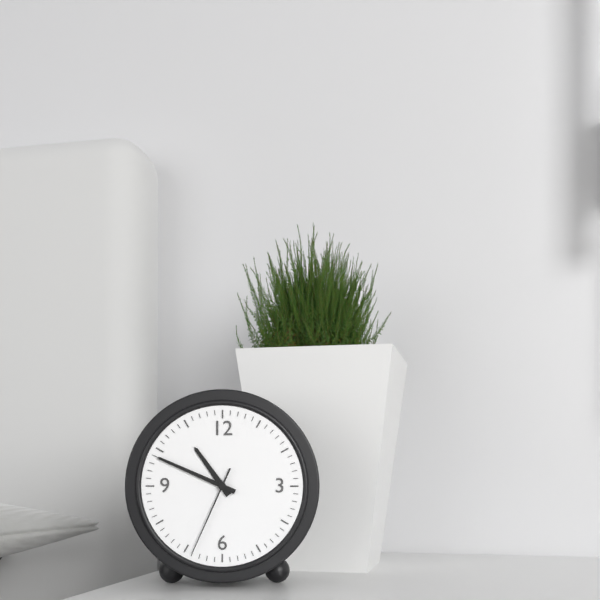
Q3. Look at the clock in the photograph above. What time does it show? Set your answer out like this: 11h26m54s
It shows 10h49m34s
